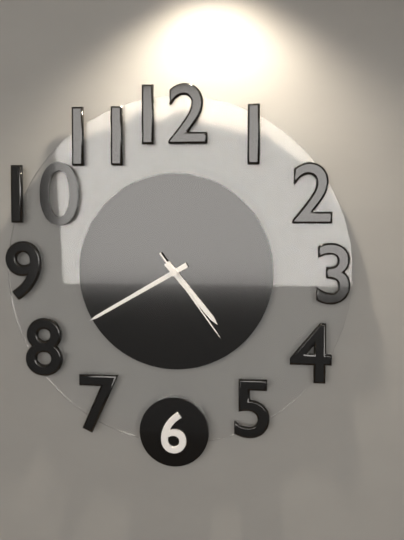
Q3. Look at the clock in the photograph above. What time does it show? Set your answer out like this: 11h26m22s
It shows 4h40m24s
